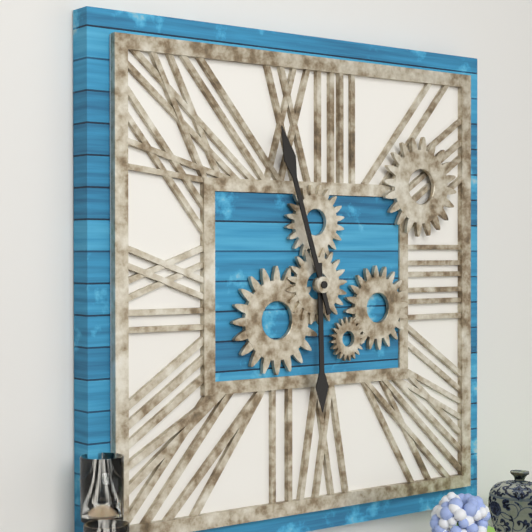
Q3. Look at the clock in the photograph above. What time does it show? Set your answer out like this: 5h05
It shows 5h57
